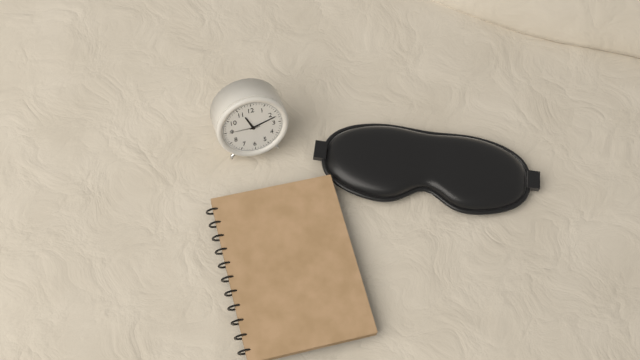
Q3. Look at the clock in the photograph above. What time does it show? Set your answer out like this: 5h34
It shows 11h12
